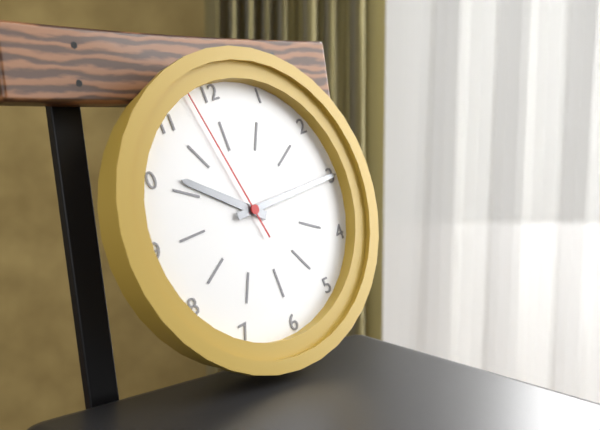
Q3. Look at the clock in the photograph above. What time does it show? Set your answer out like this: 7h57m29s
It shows 10h15m58s
